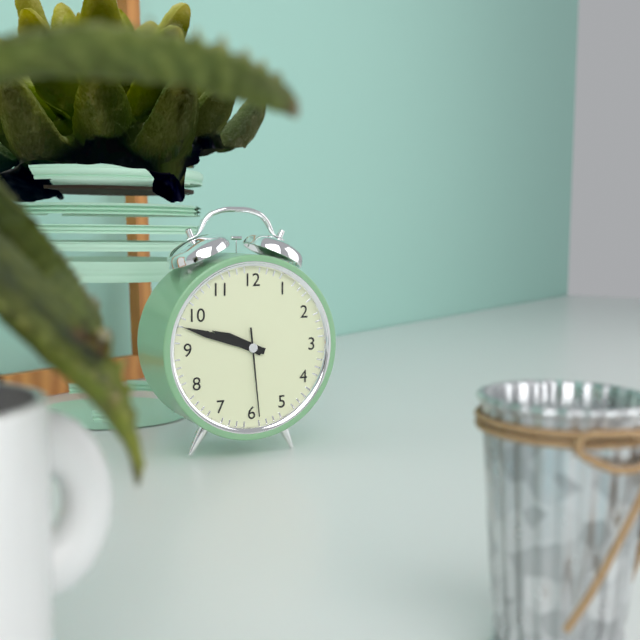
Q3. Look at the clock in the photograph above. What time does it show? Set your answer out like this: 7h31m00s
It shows 9h48m29s
